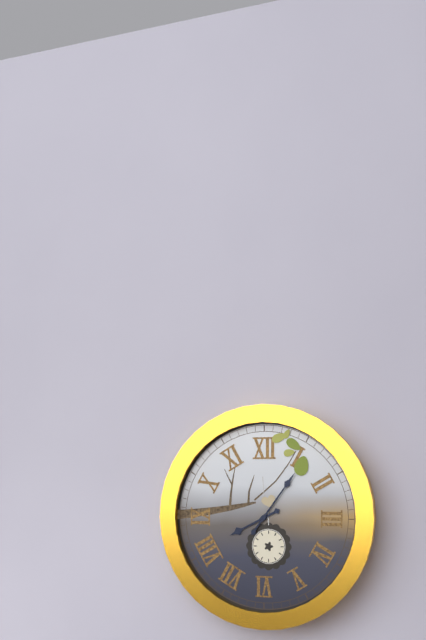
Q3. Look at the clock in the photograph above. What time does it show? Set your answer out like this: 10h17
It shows 8h06
